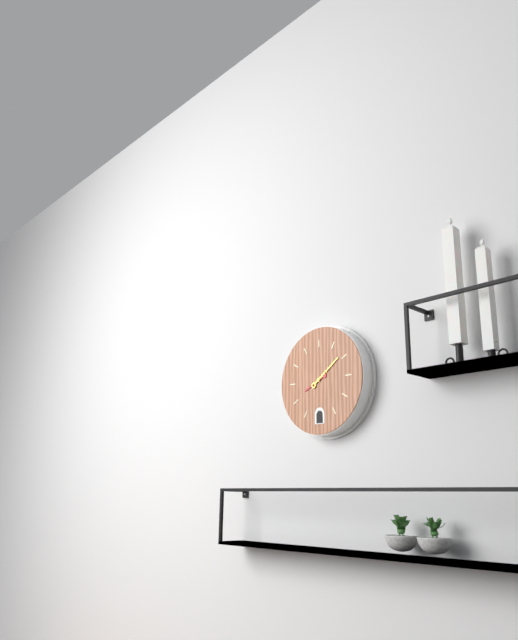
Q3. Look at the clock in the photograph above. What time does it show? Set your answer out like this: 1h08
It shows 8h09
